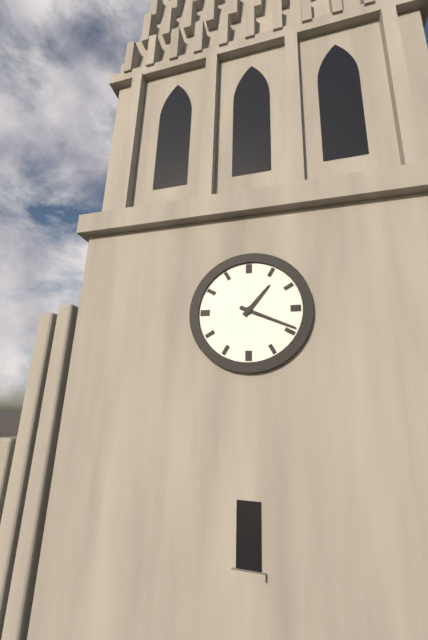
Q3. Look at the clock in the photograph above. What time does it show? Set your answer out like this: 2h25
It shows 1h19
